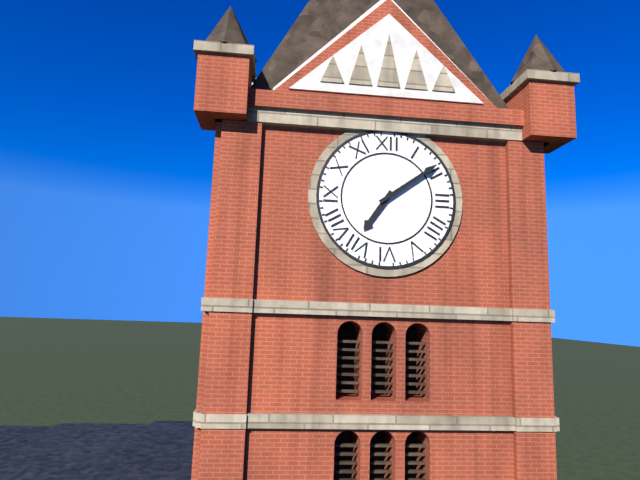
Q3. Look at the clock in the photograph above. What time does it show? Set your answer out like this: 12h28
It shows 7h09
